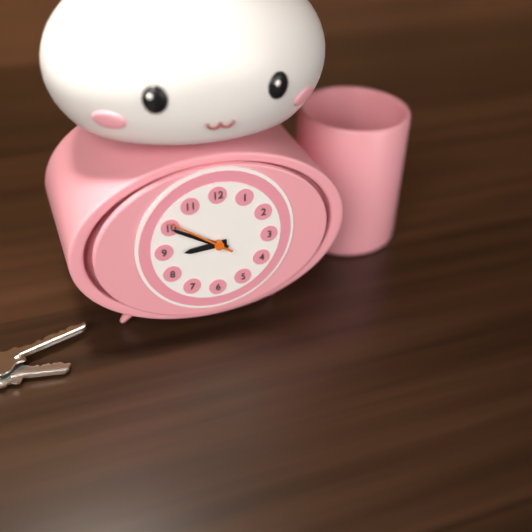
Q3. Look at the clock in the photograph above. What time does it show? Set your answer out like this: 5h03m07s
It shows 8h50m51s
